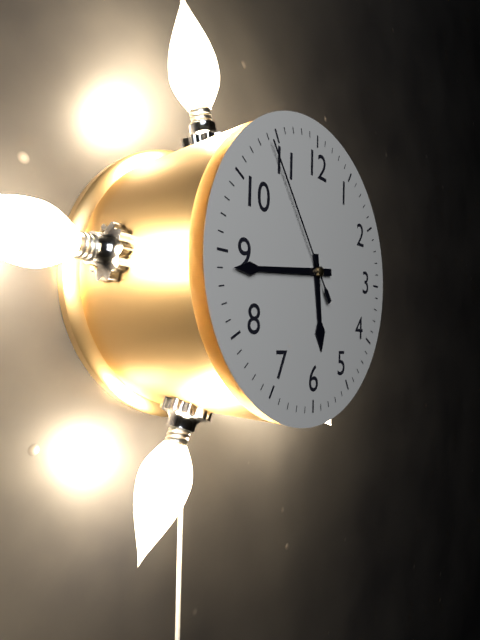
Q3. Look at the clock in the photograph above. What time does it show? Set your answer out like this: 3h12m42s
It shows 5h44m54s
